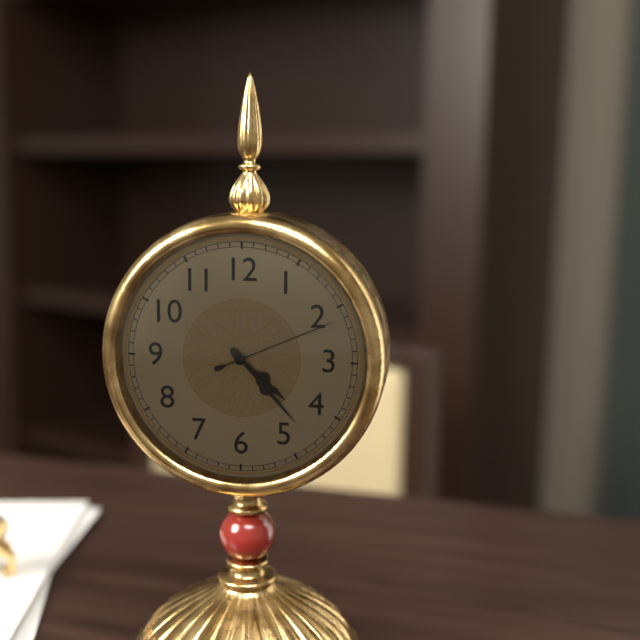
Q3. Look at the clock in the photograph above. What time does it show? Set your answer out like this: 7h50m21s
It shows 4h23m11s
